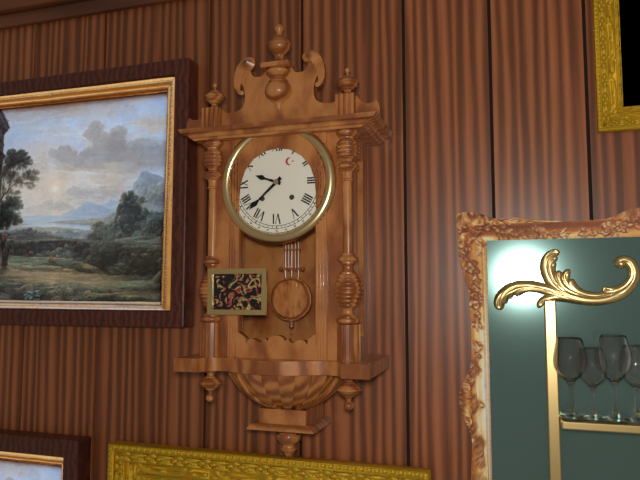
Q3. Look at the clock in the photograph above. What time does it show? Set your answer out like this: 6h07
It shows 9h38
